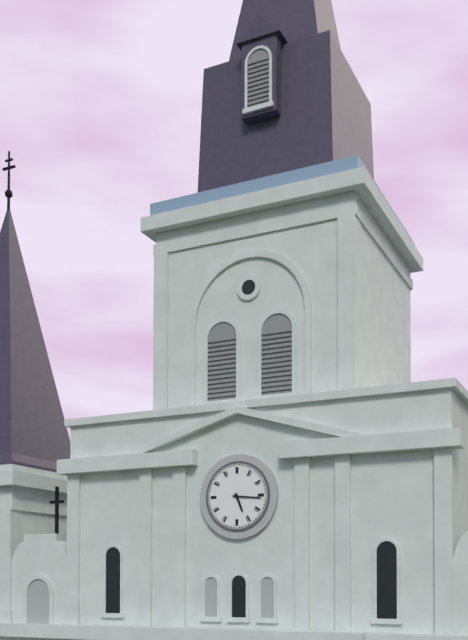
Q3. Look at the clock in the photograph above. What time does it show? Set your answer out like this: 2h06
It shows 5h16
